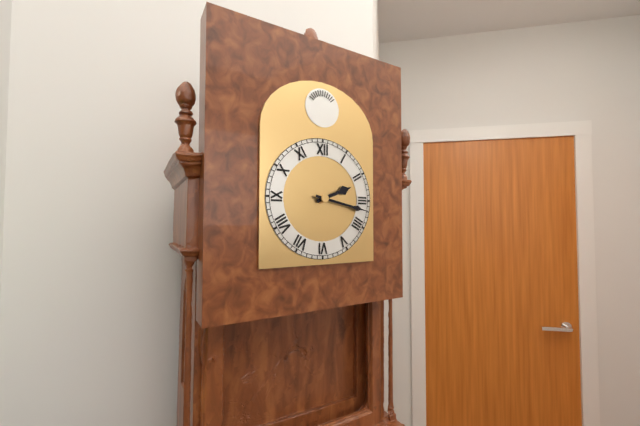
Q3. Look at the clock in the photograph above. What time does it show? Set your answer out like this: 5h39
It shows 2h17
